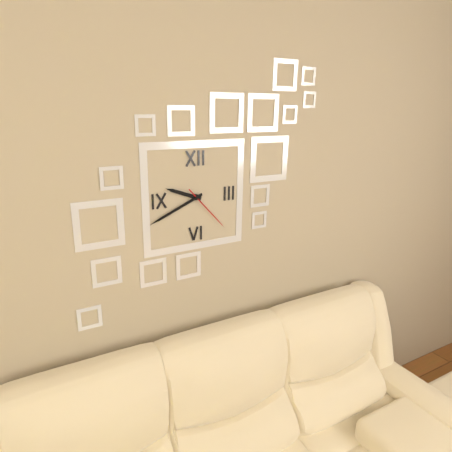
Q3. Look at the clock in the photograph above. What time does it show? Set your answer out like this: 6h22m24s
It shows 9h41m23s
